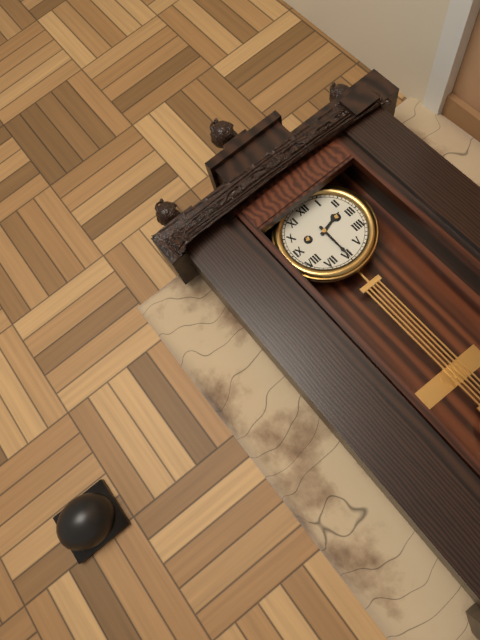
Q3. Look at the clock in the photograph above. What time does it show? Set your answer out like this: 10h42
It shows 2h30
